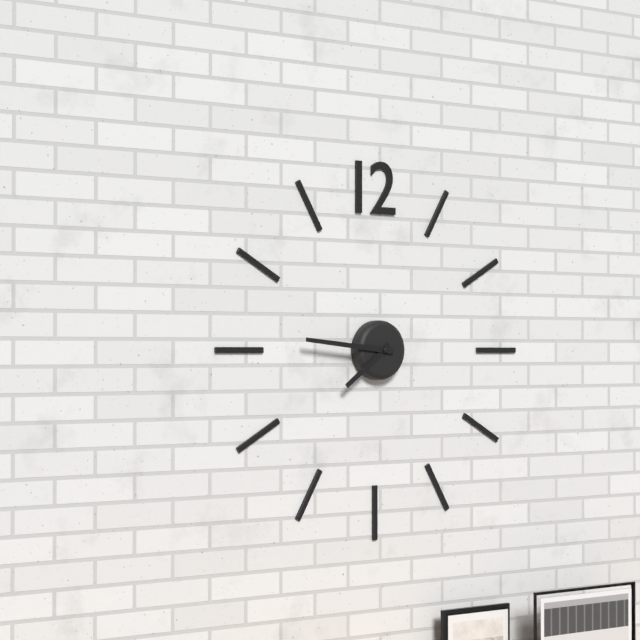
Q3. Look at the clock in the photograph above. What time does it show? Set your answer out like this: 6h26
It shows 7h46
